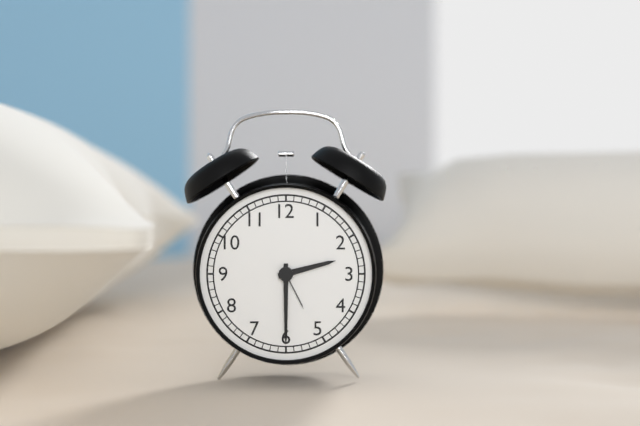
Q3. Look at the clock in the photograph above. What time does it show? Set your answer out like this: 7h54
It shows 2h30
